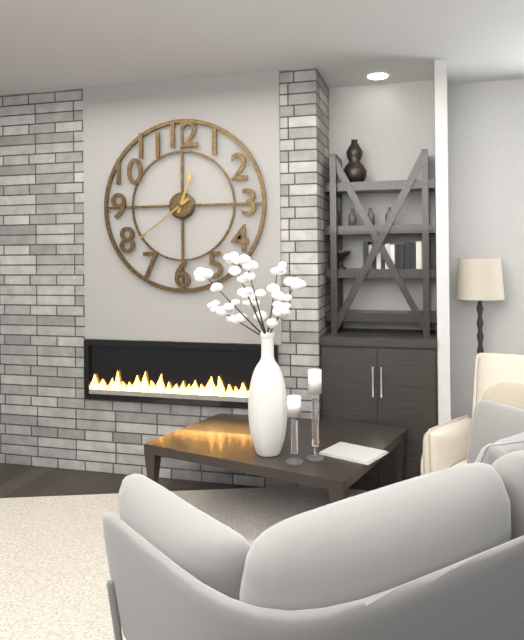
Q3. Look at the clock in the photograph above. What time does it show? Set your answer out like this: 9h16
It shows 12h39
